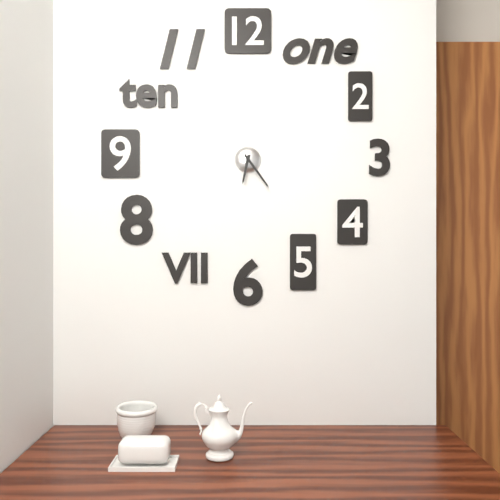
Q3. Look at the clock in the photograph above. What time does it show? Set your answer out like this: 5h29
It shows 6h24
